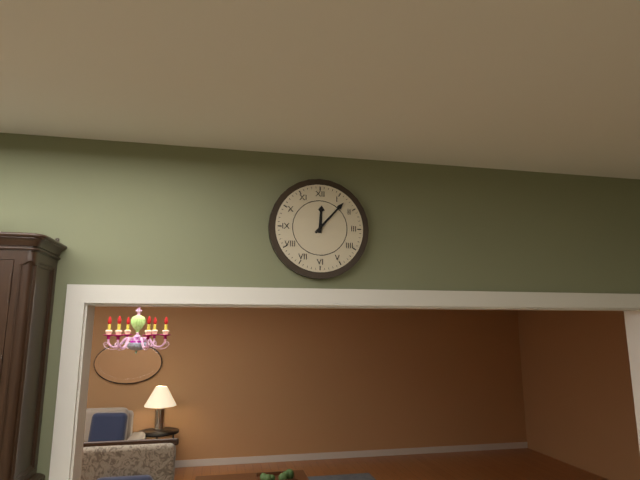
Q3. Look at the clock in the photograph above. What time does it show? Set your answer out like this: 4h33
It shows 12h07
